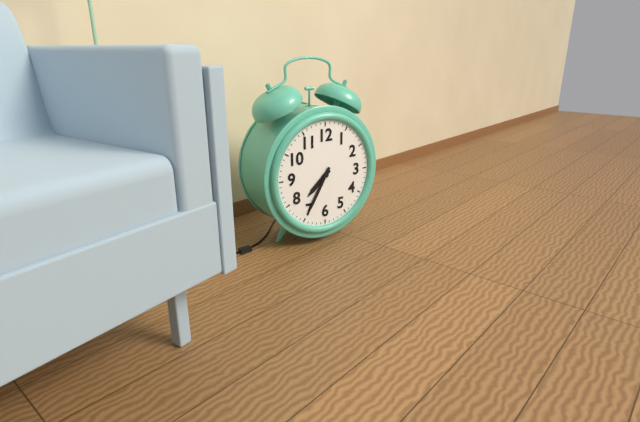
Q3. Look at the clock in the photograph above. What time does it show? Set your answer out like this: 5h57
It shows 7h35
